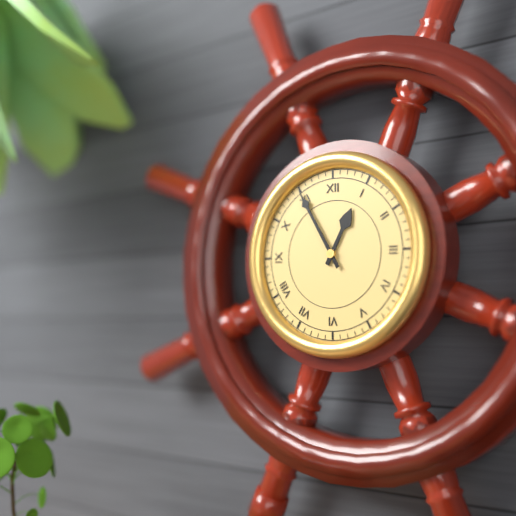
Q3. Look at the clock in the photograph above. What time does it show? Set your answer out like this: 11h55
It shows 12h55
